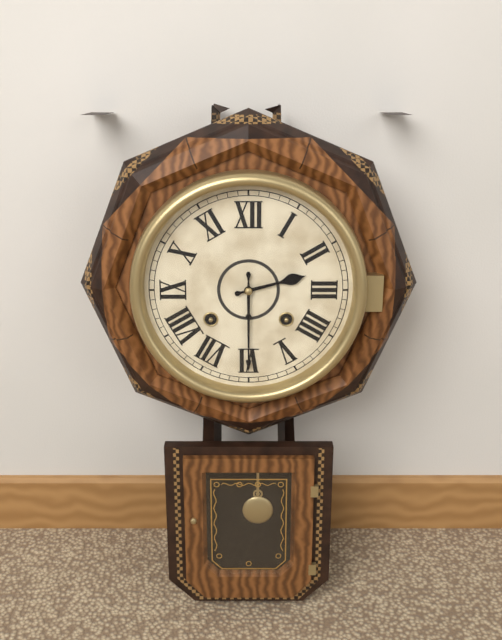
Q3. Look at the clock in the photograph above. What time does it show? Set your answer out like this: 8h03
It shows 2h30
